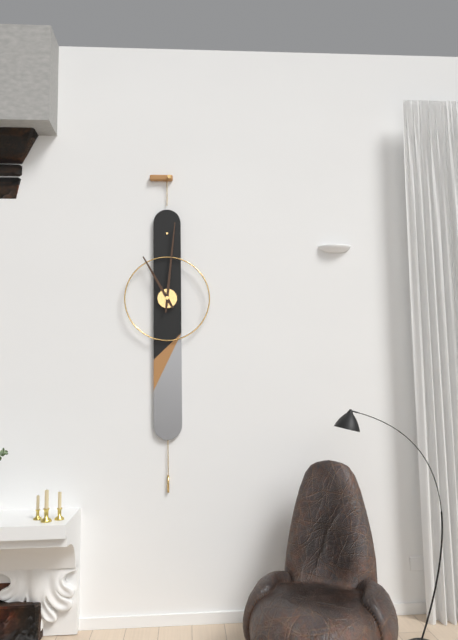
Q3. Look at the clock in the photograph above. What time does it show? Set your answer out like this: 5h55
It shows 11h01
